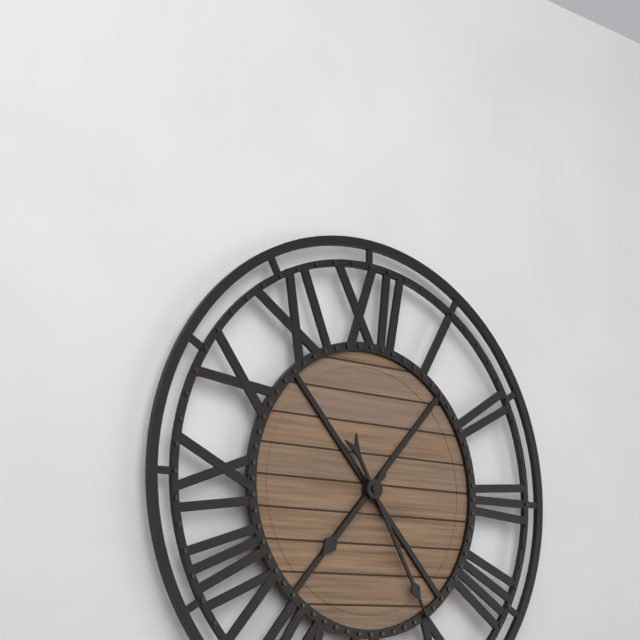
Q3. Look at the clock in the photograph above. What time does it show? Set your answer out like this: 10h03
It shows 7h25
